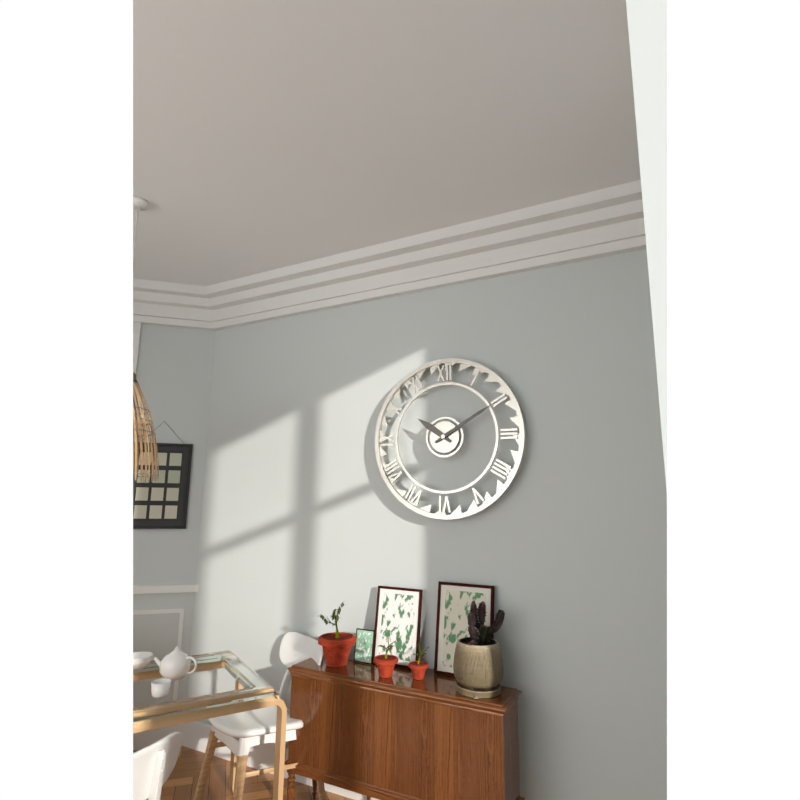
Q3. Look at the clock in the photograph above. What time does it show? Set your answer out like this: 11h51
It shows 10h10
